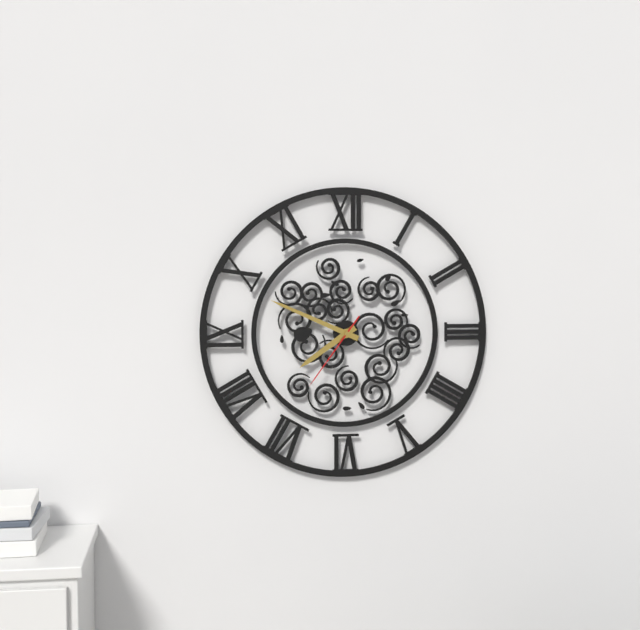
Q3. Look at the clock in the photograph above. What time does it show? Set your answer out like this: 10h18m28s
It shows 7h49m36s
